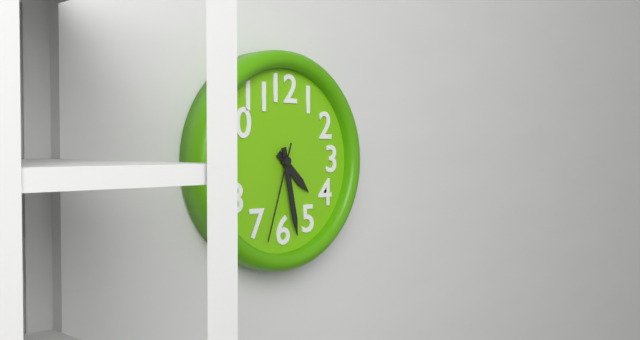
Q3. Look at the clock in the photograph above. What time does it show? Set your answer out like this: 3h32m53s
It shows 4h28m33s
